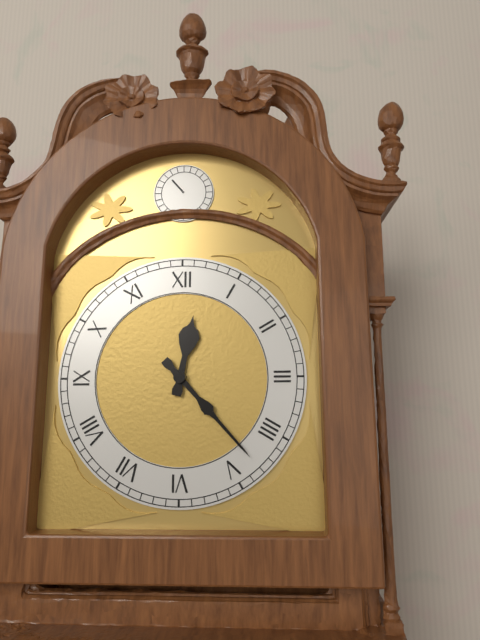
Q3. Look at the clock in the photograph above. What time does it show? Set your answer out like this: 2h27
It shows 12h23
